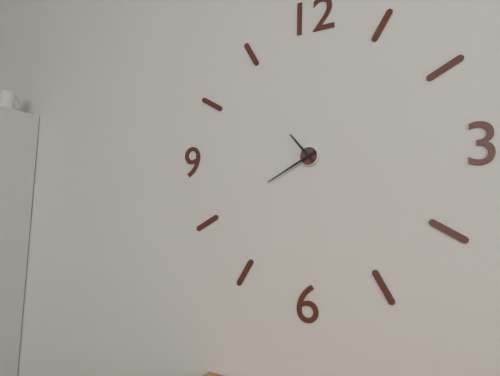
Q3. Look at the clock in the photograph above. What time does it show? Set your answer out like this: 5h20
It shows 10h40
